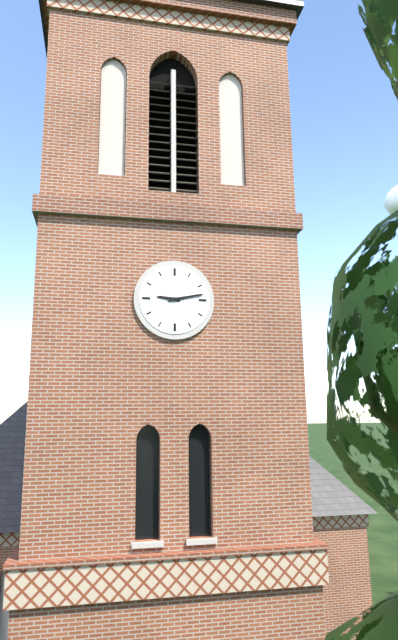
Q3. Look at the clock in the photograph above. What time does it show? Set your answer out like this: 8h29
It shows 9h13
